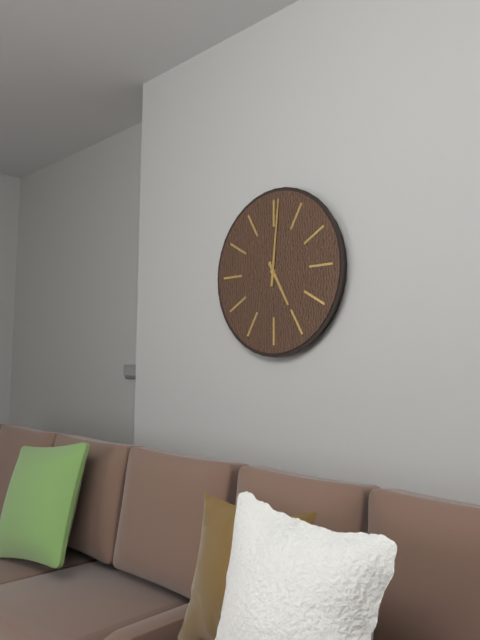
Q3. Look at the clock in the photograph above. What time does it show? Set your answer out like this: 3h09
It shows 5h01
